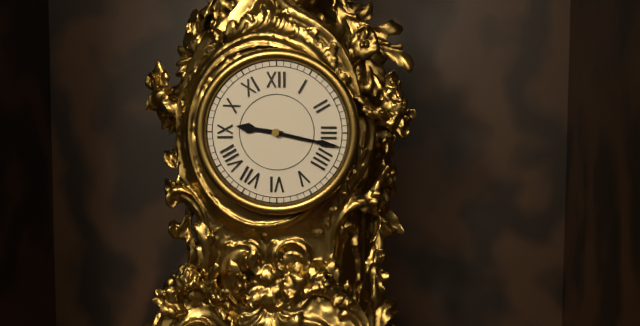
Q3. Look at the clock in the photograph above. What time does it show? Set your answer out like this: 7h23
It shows 9h17
